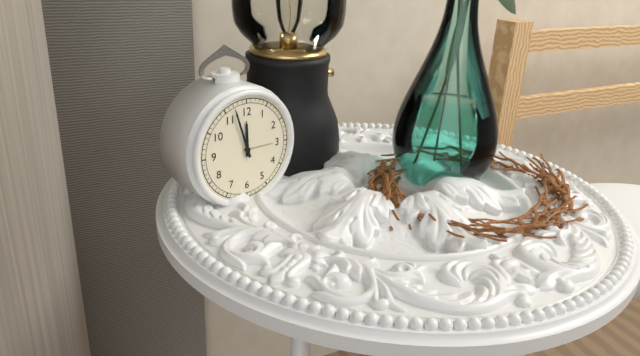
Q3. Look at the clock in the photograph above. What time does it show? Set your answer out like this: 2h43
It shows 11h57
